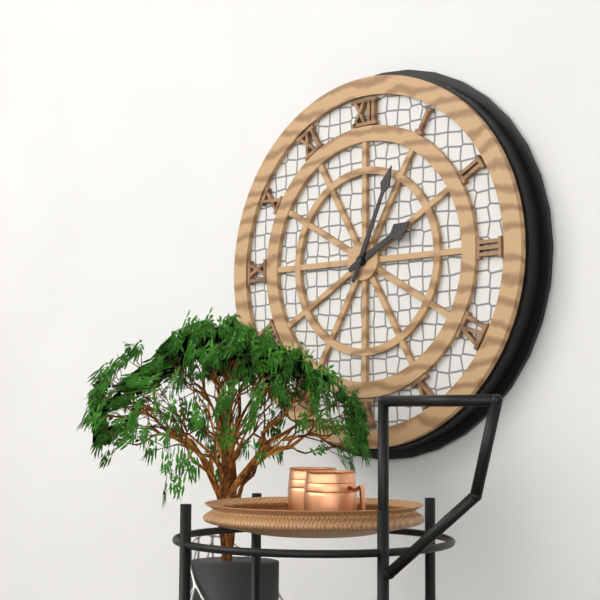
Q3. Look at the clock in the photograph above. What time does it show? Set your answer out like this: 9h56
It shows 2h04
